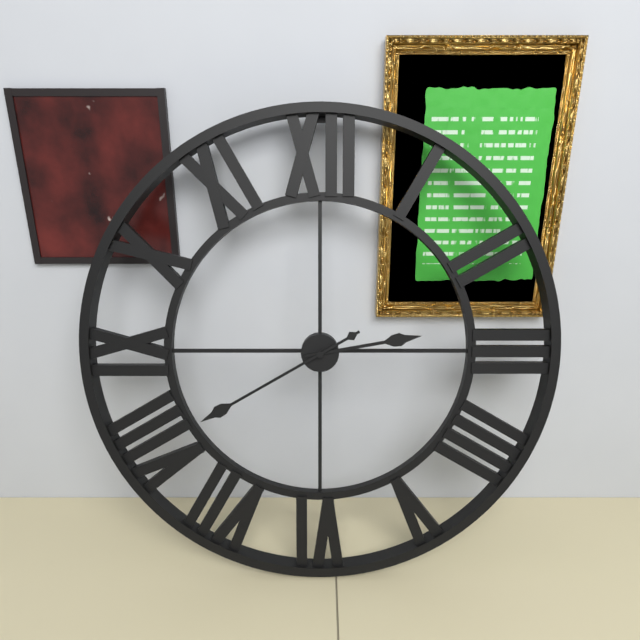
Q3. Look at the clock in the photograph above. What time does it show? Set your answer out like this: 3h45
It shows 2h40
